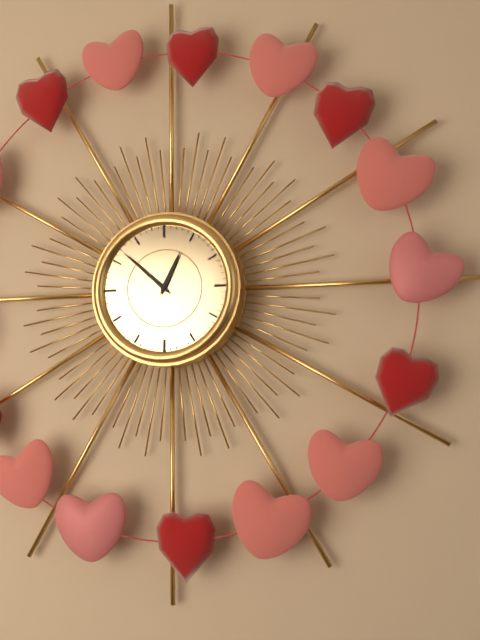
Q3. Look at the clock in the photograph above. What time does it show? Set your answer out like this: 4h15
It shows 12h52
